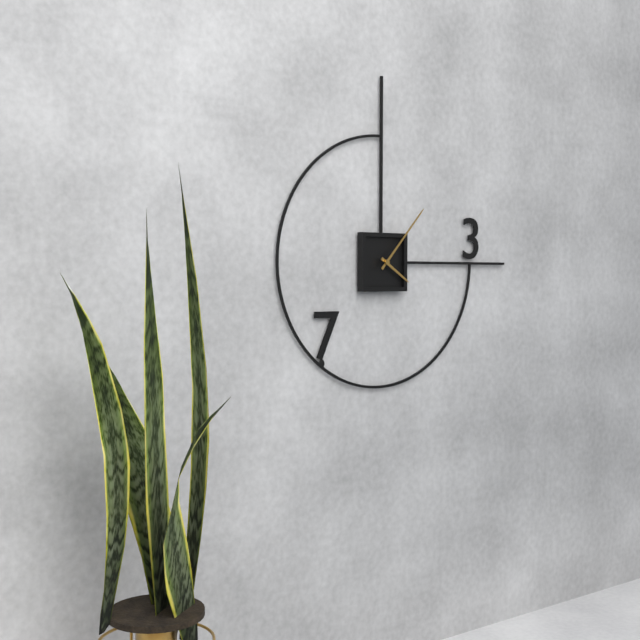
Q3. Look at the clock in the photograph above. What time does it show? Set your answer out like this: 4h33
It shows 4h07
